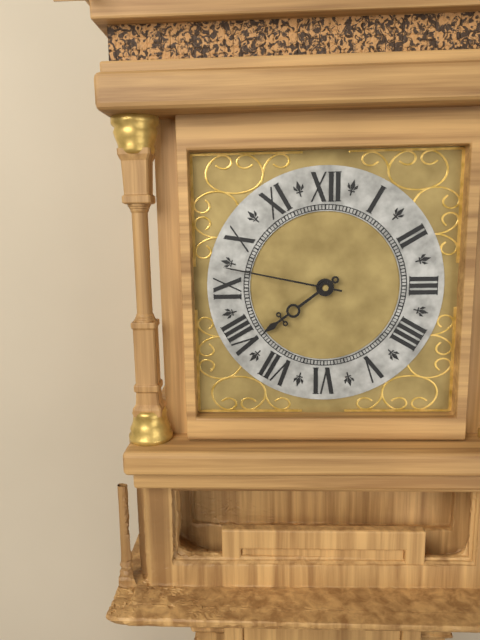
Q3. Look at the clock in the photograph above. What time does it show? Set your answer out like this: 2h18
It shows 7h47
